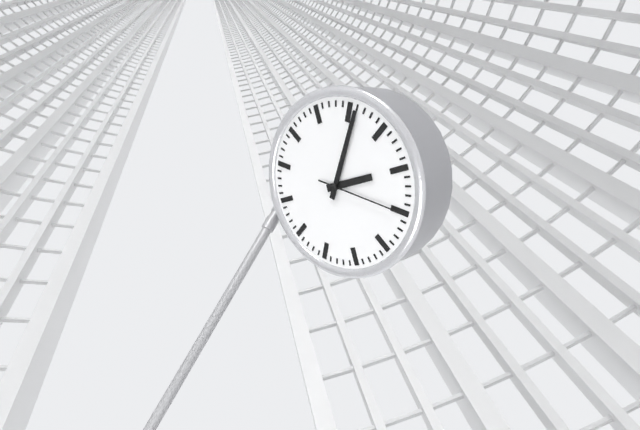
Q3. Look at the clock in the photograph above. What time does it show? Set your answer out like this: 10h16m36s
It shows 2h01m15s
